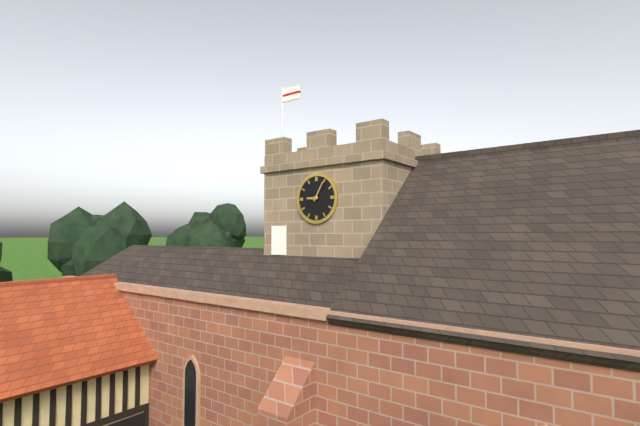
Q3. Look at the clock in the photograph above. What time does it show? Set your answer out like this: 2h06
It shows 9h05
